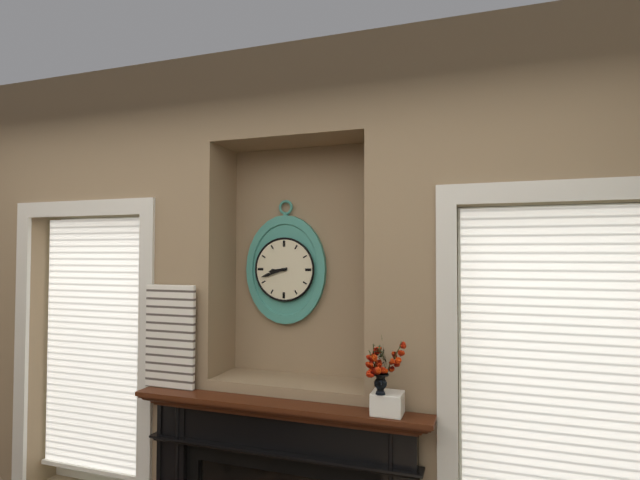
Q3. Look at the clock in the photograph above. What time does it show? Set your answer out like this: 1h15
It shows 8h42
